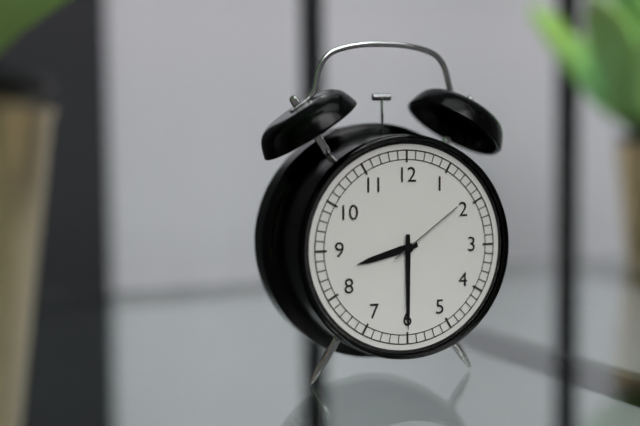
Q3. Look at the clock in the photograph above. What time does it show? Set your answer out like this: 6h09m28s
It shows 8h30m09s
